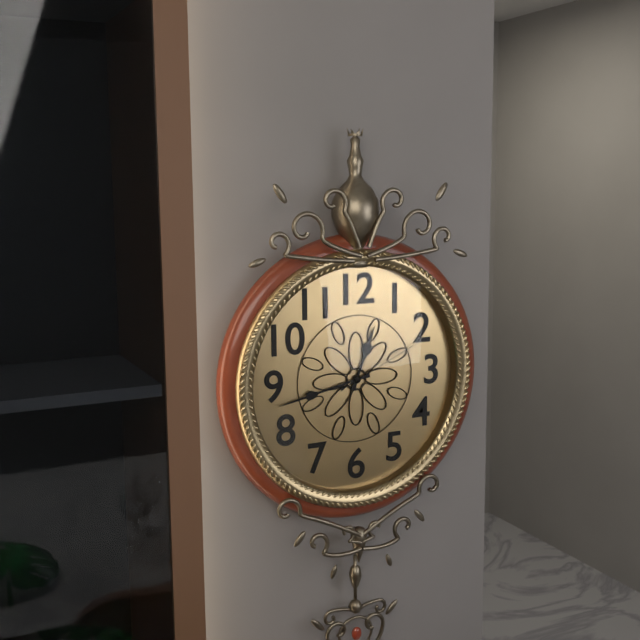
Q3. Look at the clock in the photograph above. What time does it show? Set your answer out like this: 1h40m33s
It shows 12h43m11s
